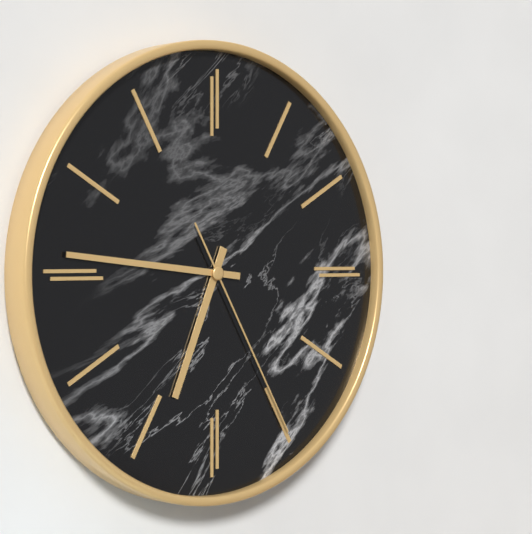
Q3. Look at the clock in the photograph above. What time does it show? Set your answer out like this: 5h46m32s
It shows 6h46m25s
